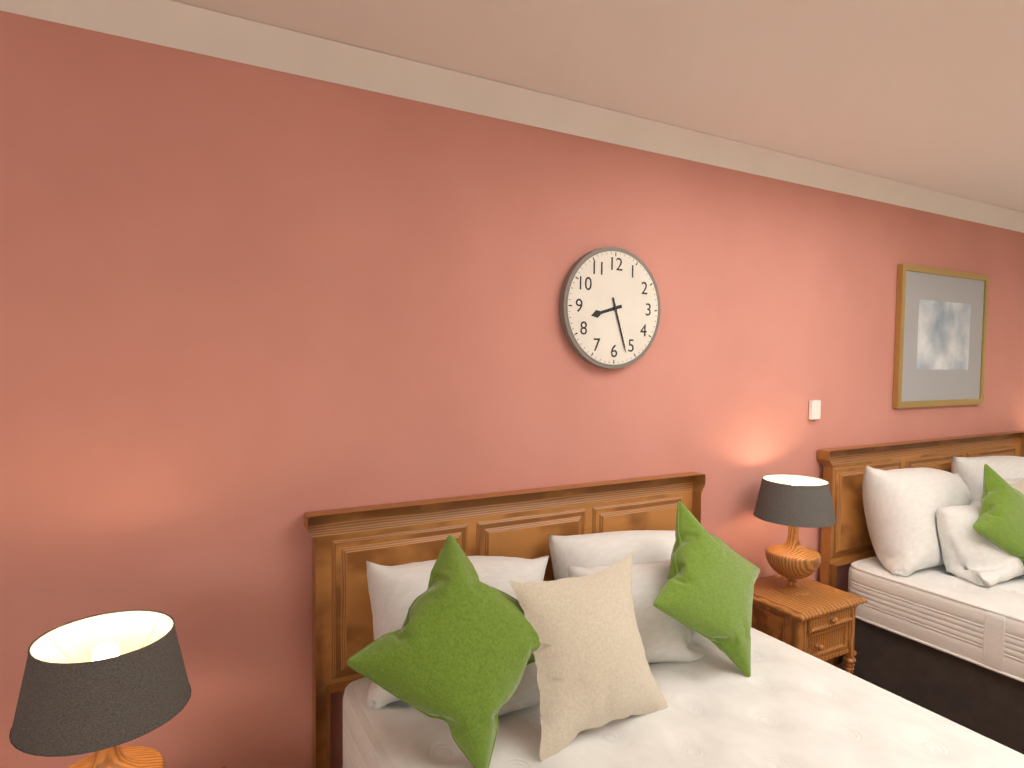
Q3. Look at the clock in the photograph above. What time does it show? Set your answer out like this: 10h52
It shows 8h27
